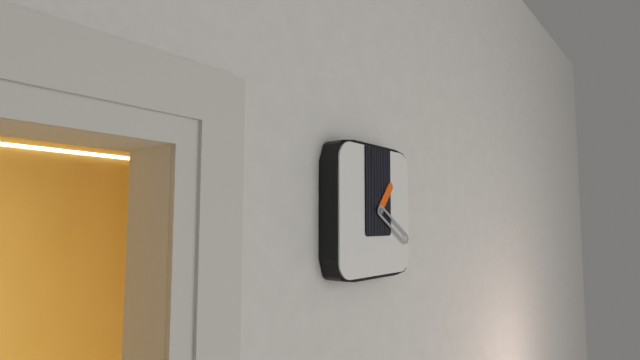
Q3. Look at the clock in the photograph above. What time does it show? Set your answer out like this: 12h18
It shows 1h20
